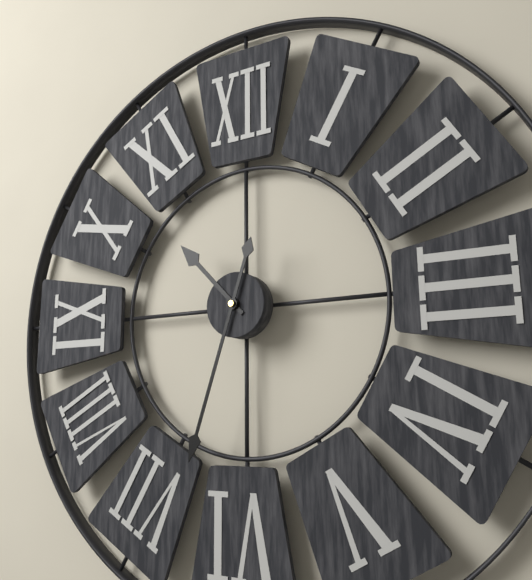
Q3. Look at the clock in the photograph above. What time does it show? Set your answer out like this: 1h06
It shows 10h33
